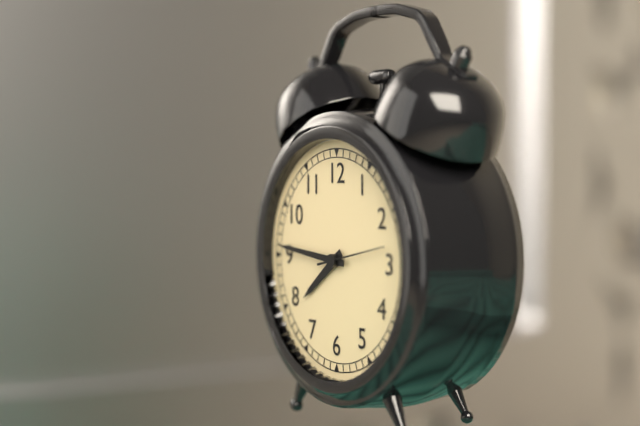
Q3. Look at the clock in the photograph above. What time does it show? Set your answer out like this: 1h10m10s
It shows 7h46m13s
